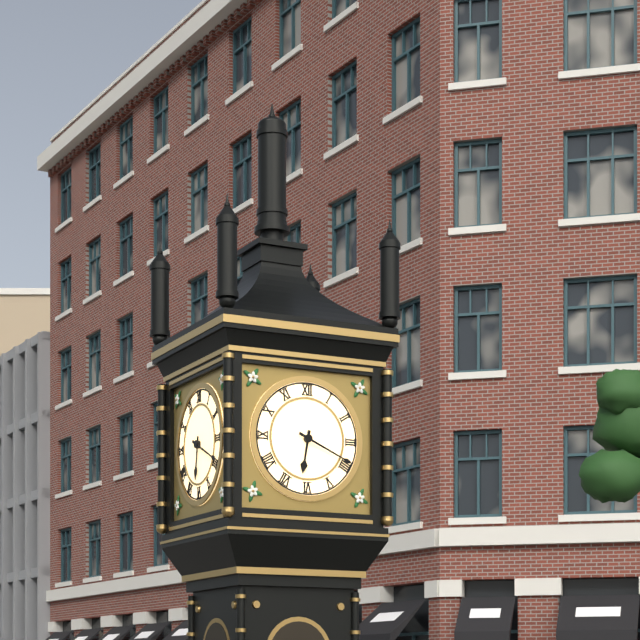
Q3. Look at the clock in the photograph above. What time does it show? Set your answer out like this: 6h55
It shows 6h19
